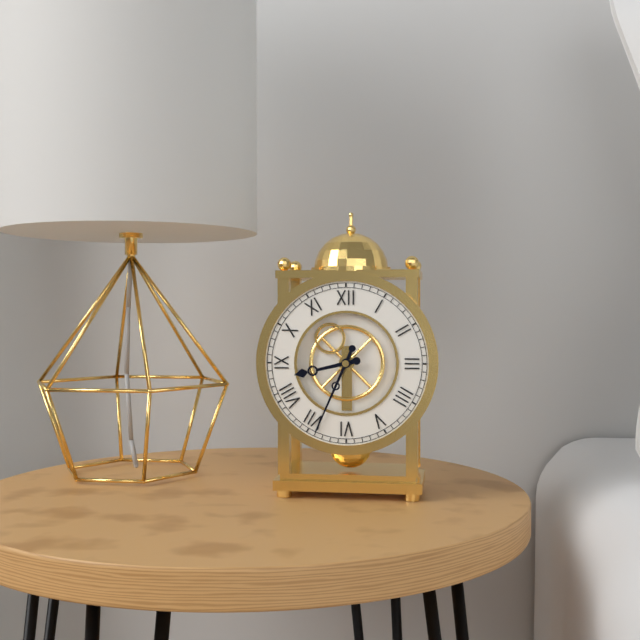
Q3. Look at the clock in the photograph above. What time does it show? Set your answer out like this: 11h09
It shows 8h34
